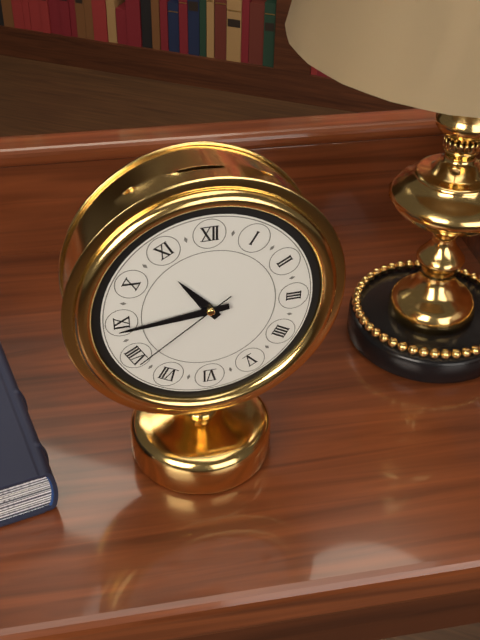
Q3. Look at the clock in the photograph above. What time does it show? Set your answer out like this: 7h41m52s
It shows 10h44m39s
